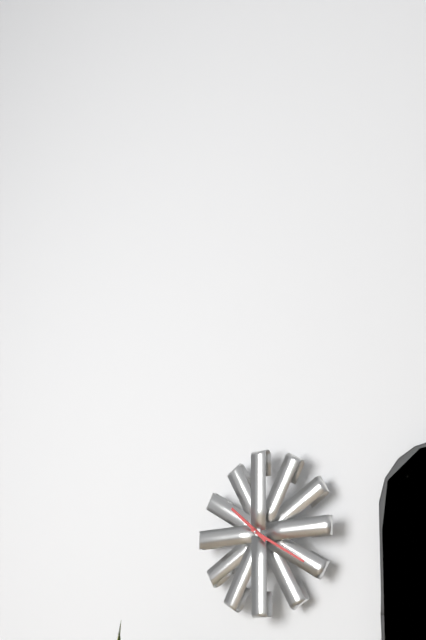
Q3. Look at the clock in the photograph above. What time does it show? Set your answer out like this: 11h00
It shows 10h20
